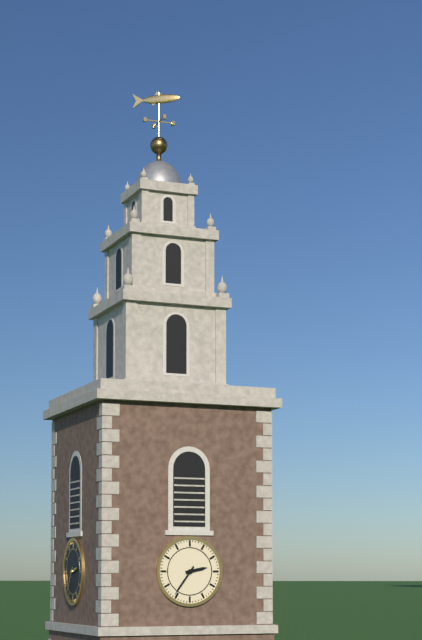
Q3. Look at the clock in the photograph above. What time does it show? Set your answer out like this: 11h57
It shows 2h36
